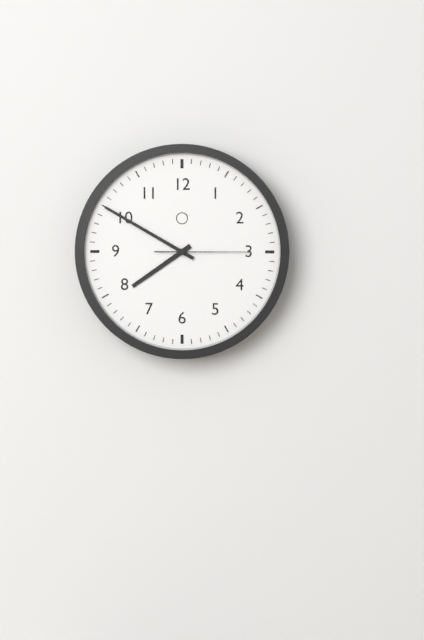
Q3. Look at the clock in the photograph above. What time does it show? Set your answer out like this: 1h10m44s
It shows 7h50m15s
